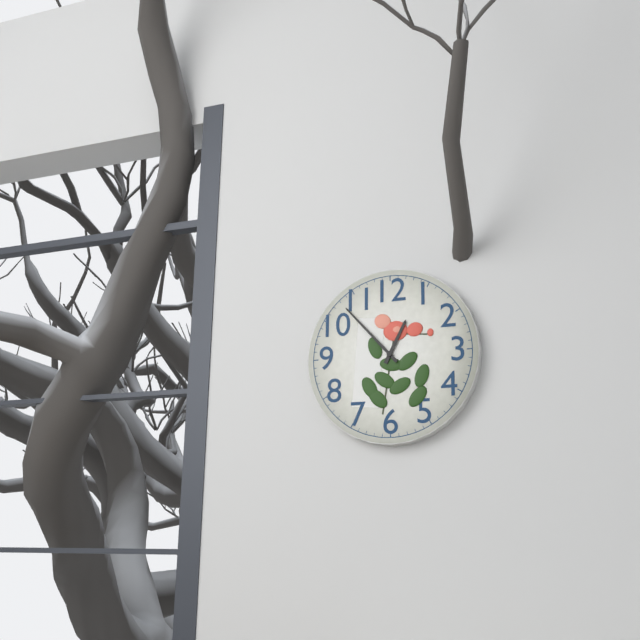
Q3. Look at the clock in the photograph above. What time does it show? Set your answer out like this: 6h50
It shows 12h53
